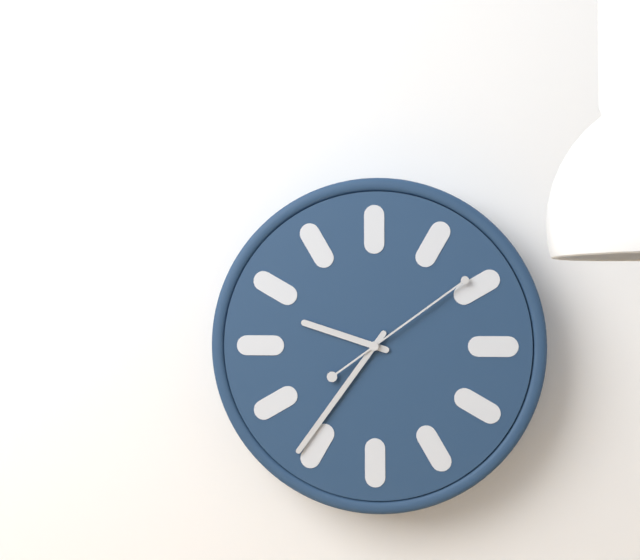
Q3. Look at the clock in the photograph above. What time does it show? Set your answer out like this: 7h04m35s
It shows 9h36m09s
